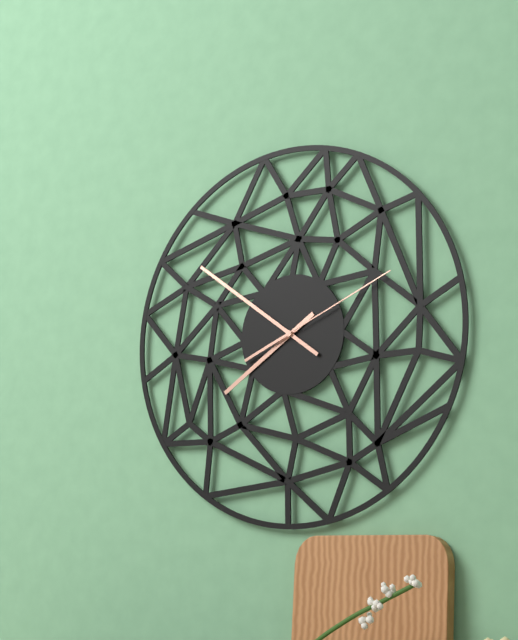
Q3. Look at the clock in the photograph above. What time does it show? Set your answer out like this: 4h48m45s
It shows 7h51m11s
